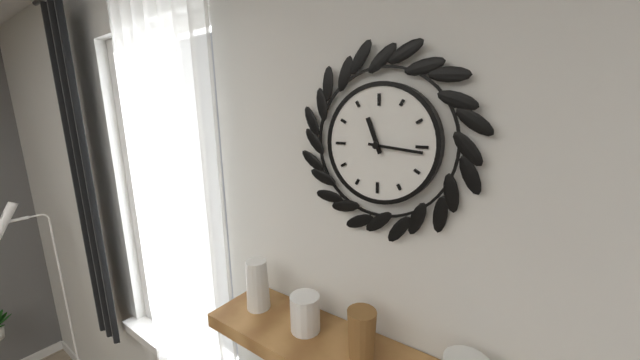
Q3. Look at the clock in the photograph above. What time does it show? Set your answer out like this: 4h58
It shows 11h16
